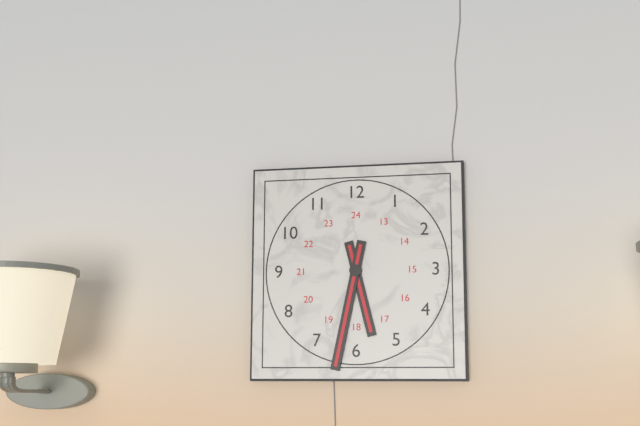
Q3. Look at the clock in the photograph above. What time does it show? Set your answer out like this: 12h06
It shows 5h32
